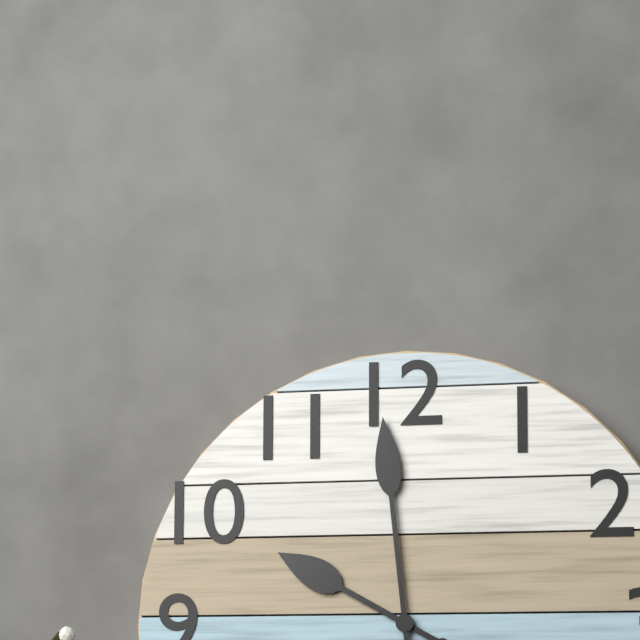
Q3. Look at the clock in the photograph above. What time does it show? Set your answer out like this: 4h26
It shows 9h59
